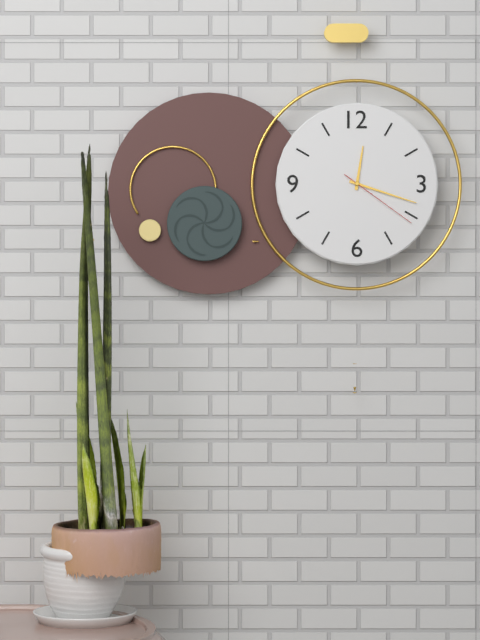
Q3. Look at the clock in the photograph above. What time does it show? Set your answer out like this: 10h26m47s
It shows 12h18m21s
